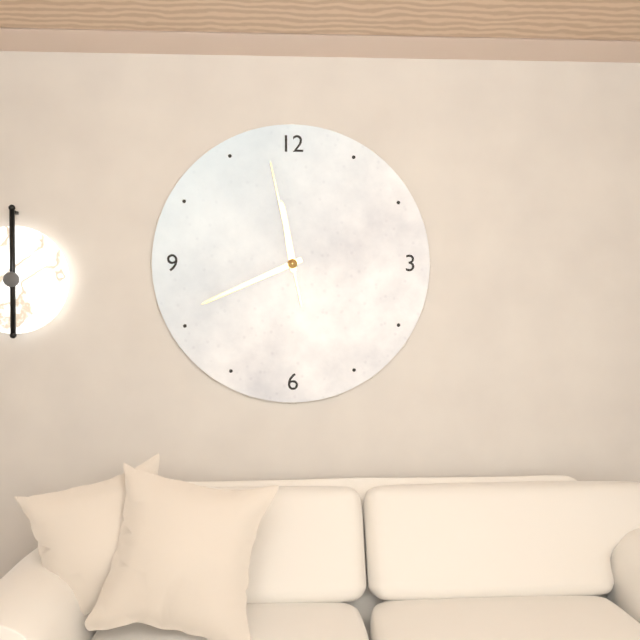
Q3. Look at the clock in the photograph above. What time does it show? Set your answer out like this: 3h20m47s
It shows 11h41m58s
